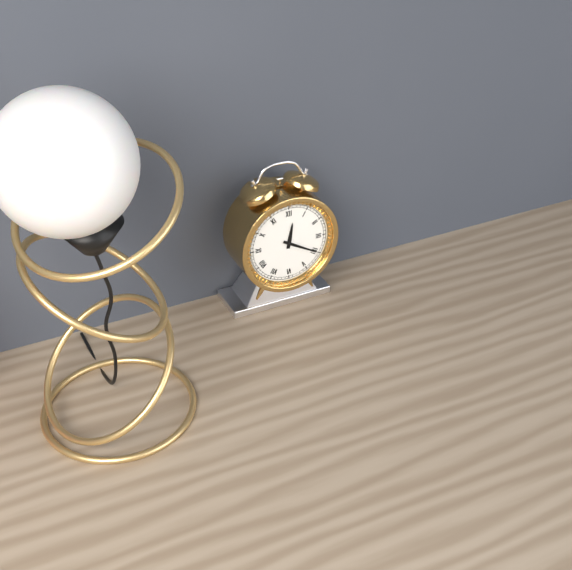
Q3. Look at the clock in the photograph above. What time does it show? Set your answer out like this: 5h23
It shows 12h20
